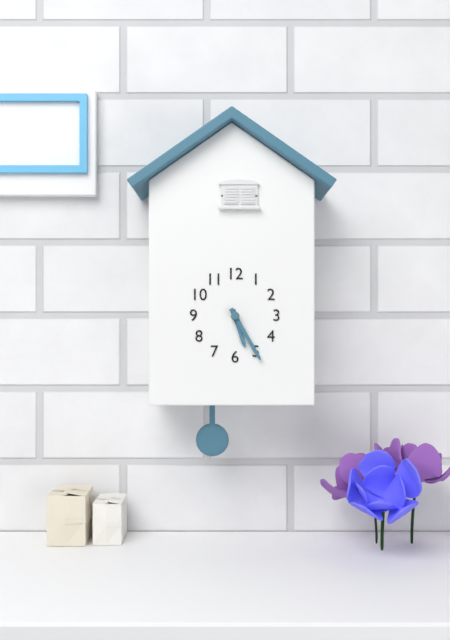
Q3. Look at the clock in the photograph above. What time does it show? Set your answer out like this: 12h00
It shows 5h25
